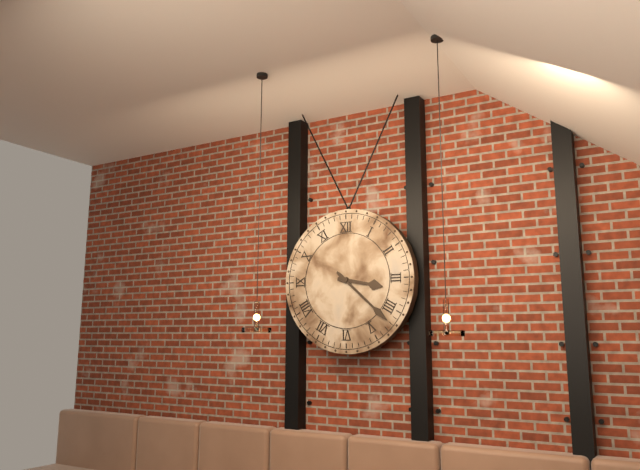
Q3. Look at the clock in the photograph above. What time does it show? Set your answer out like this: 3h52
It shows 3h22
